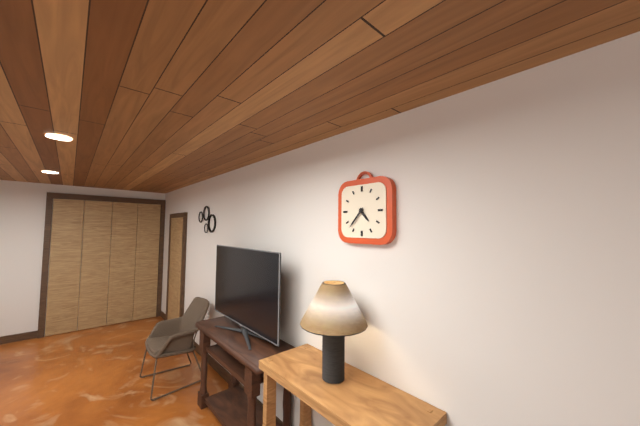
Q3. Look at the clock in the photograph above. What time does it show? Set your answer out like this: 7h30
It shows 4h37
